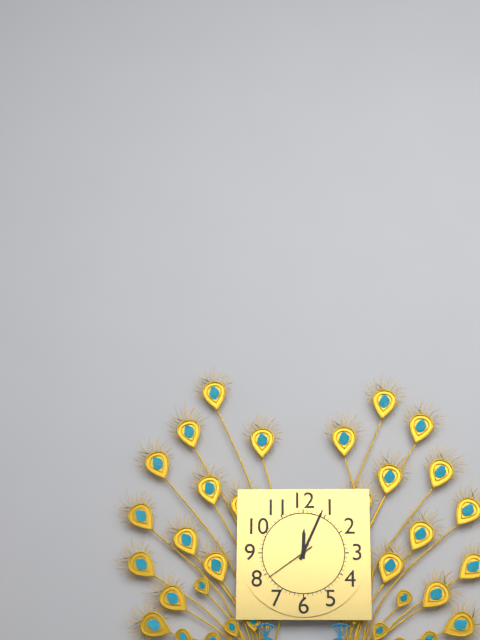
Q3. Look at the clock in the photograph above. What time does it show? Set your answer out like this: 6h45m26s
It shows 12h04m39s
